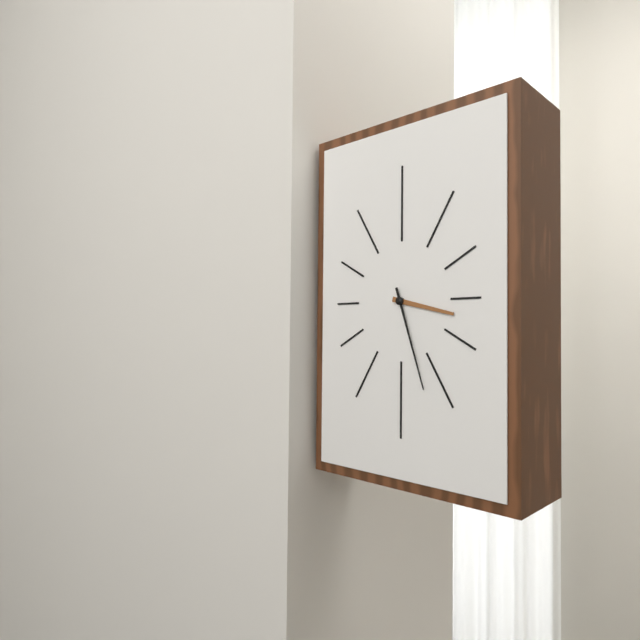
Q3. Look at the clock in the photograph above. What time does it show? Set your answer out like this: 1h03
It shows 3h27
